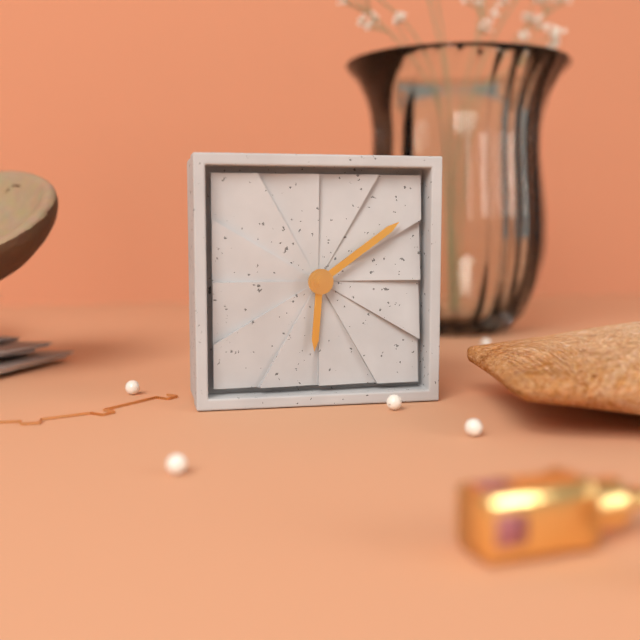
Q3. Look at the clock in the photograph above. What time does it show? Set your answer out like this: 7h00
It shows 6h09
